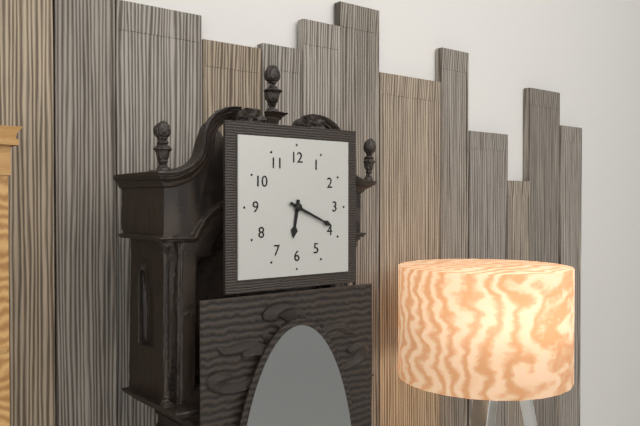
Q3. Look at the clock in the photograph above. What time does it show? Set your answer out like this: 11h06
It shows 6h19
